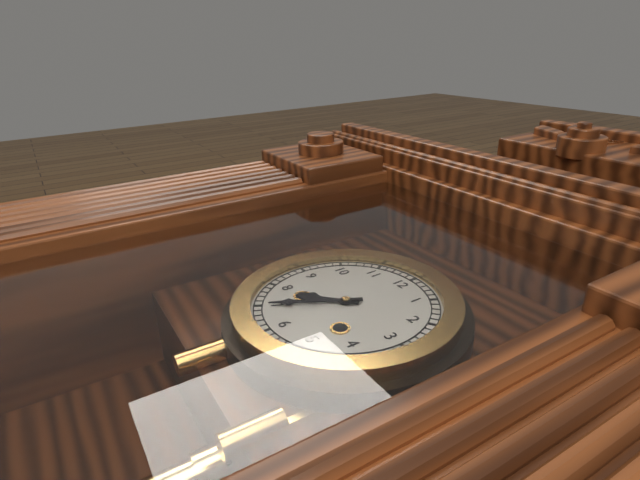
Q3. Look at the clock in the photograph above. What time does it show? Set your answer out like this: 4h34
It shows 7h35
